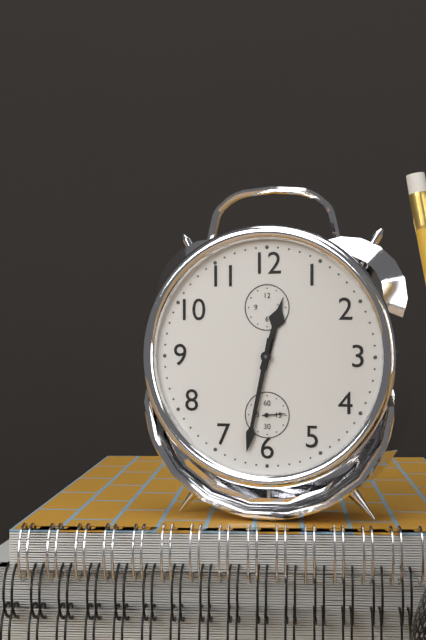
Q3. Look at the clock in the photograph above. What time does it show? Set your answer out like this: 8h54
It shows 12h32
